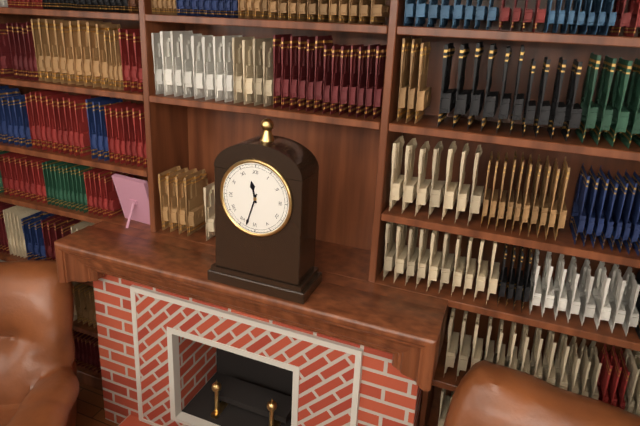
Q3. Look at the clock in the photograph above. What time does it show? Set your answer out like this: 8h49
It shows 11h33
